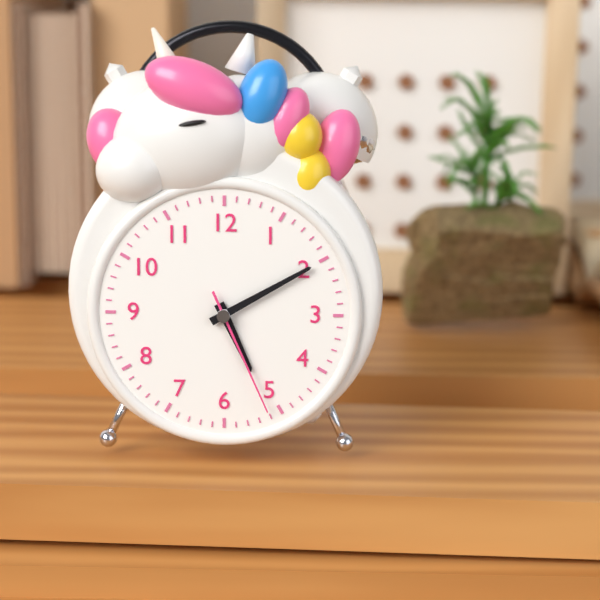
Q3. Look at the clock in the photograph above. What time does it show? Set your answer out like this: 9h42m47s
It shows 5h10m26s
